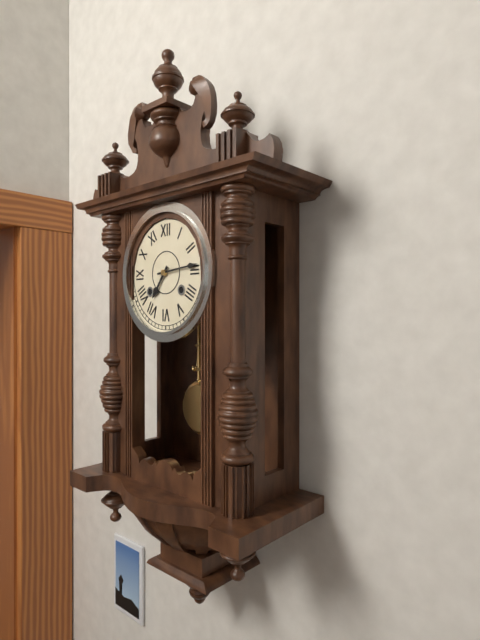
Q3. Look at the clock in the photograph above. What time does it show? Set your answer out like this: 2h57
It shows 7h14
